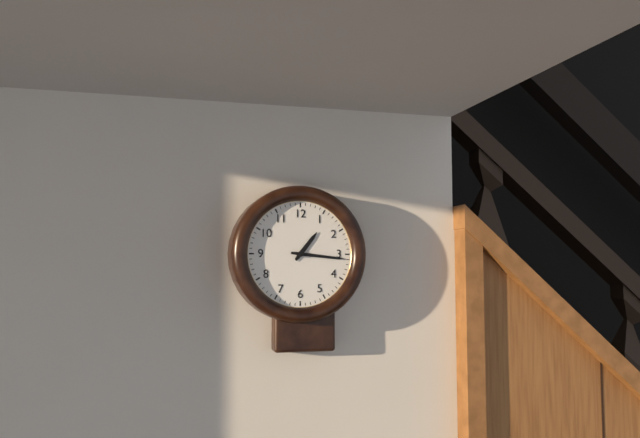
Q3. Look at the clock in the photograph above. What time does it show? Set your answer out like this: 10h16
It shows 1h16
